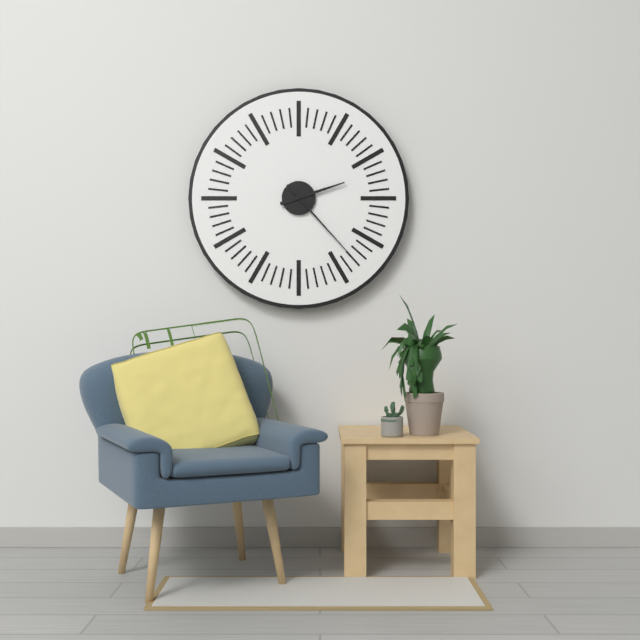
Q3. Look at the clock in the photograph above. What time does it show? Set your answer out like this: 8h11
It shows 2h23
